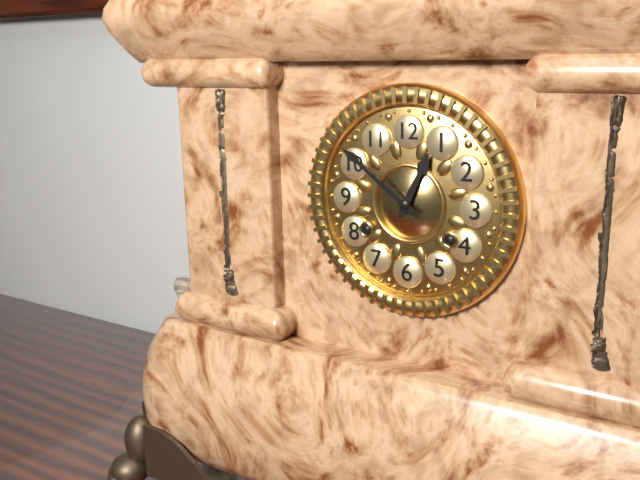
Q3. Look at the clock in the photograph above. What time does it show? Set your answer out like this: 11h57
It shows 12h51
